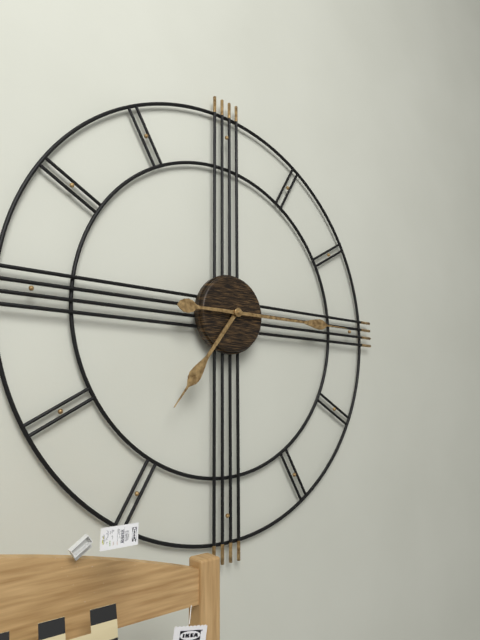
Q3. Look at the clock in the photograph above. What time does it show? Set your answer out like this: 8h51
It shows 7h15
